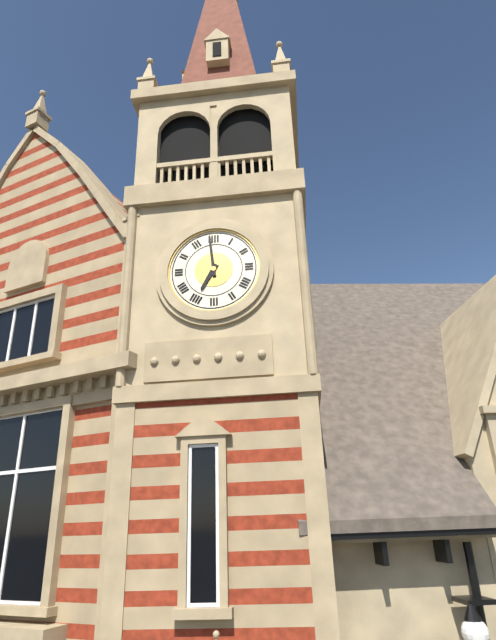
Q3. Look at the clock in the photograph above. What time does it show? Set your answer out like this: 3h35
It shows 6h59
